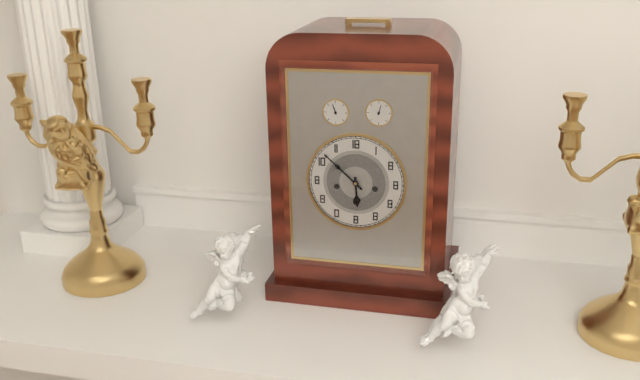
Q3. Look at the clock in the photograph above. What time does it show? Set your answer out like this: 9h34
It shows 5h52
